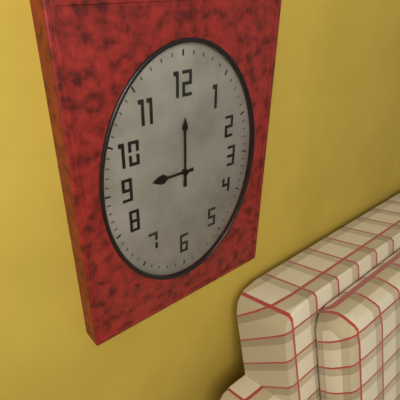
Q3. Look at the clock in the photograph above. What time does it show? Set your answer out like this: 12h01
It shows 9h00
